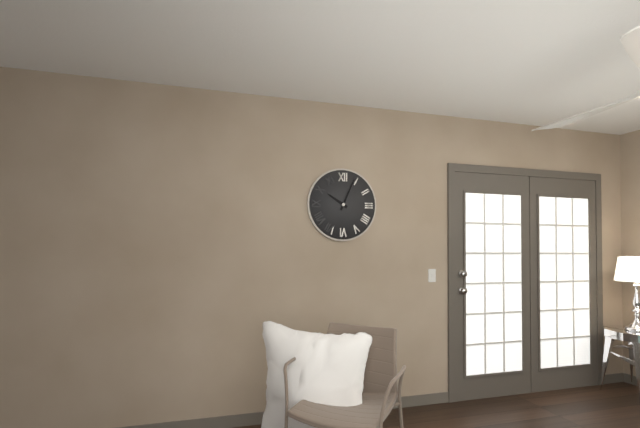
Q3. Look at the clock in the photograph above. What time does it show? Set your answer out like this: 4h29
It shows 10h04
